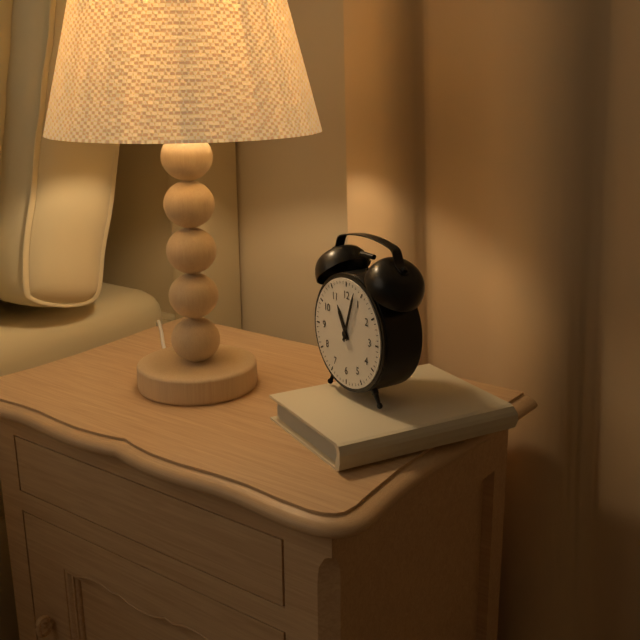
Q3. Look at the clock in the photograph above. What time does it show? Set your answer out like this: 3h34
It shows 11h03
